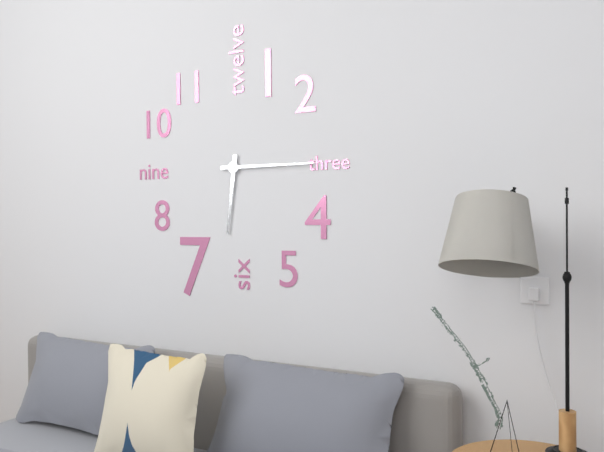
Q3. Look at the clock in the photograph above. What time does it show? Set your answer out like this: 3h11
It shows 6h15
